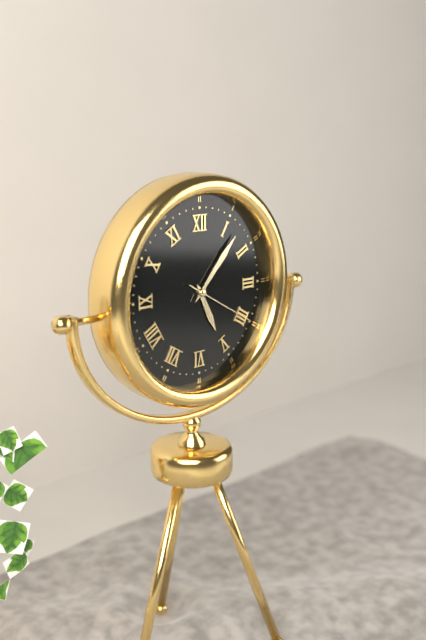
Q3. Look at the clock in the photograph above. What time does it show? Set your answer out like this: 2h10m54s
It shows 5h07m20s
